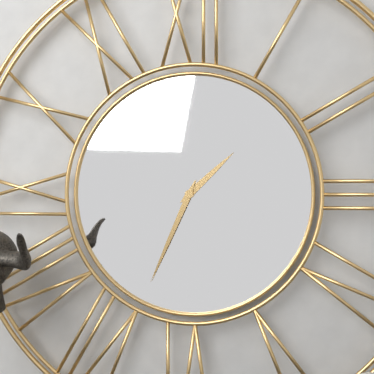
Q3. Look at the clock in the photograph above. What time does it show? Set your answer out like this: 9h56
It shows 1h34
